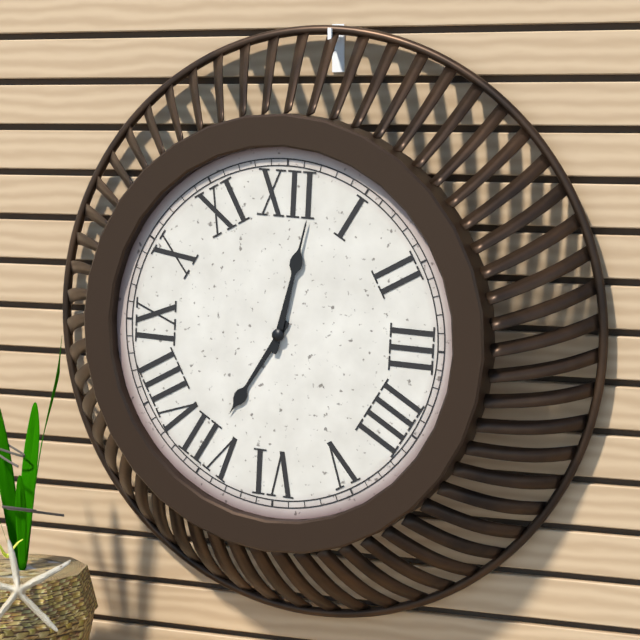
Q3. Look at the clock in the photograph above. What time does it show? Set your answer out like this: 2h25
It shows 7h02
